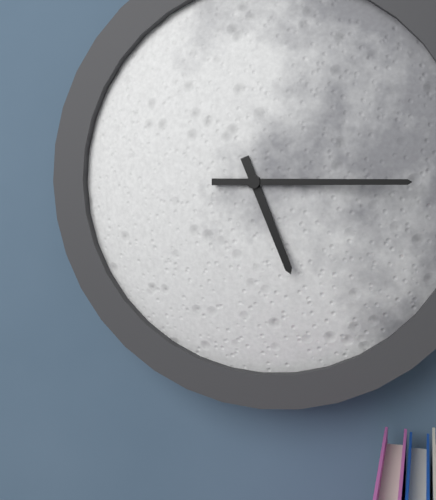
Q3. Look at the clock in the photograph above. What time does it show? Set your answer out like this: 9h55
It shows 5h15
